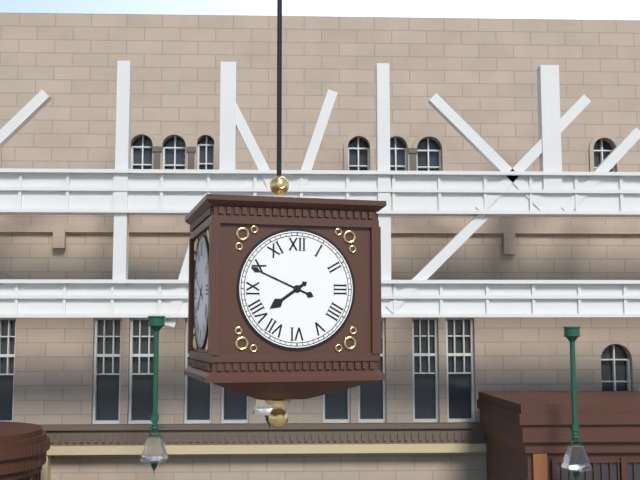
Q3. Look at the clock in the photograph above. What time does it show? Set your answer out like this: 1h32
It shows 7h49
